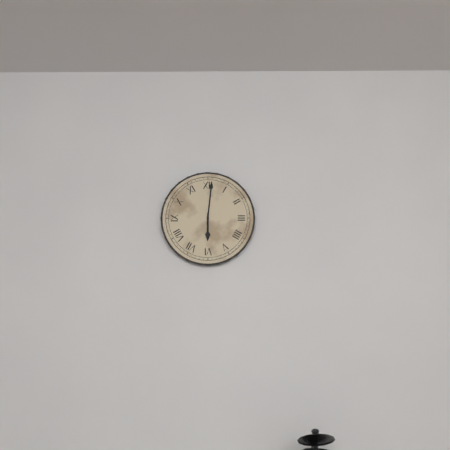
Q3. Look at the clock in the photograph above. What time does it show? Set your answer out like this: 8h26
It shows 6h01
